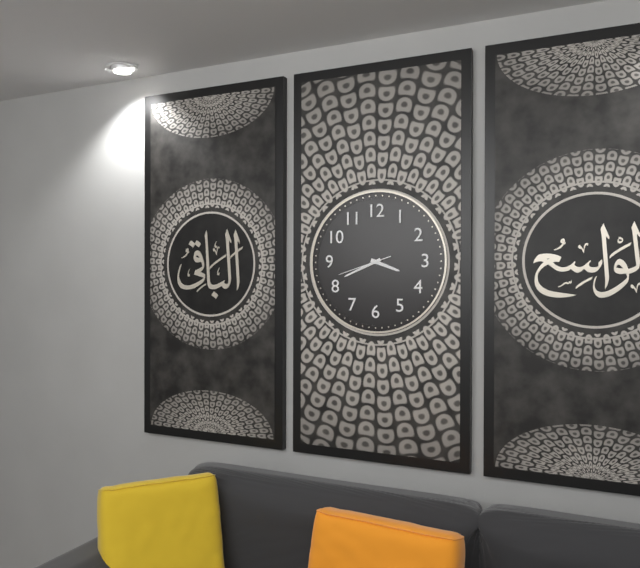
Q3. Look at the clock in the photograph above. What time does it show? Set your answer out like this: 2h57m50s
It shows 3h41m42s
